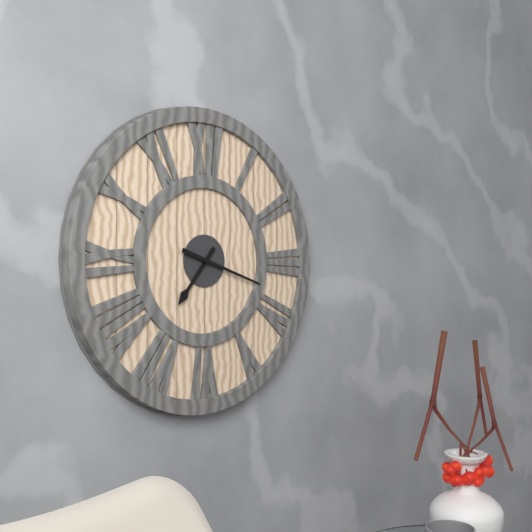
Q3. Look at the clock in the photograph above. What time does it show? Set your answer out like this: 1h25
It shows 7h18
